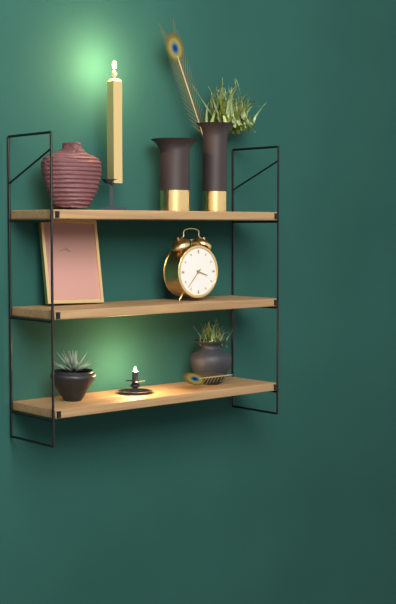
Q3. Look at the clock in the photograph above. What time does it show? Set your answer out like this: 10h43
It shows 3h37
